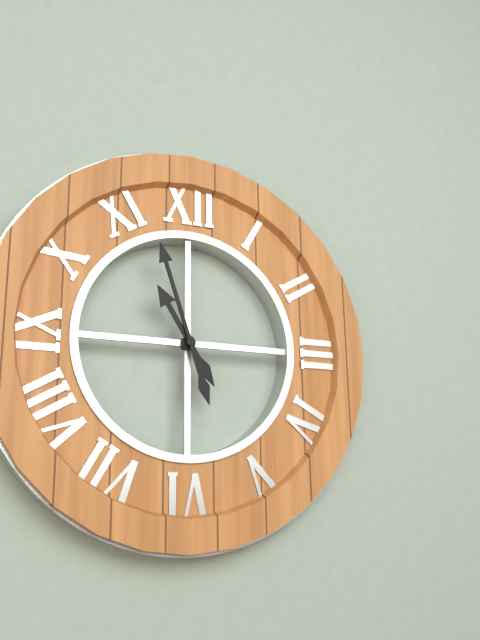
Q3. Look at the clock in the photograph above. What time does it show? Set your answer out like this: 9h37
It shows 10h57
